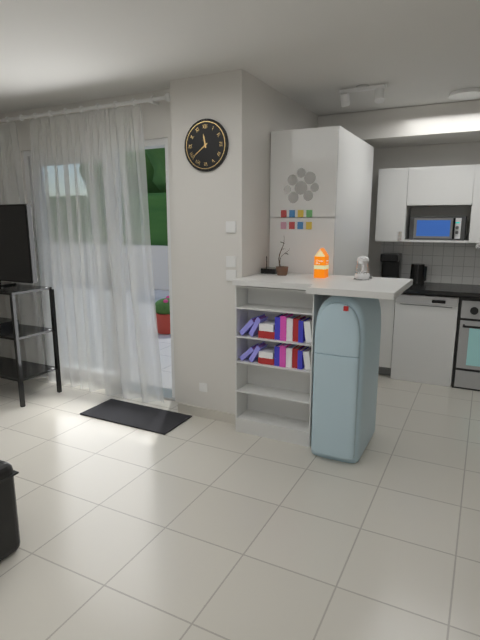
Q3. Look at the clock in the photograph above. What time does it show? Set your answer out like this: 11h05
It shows 11h39
